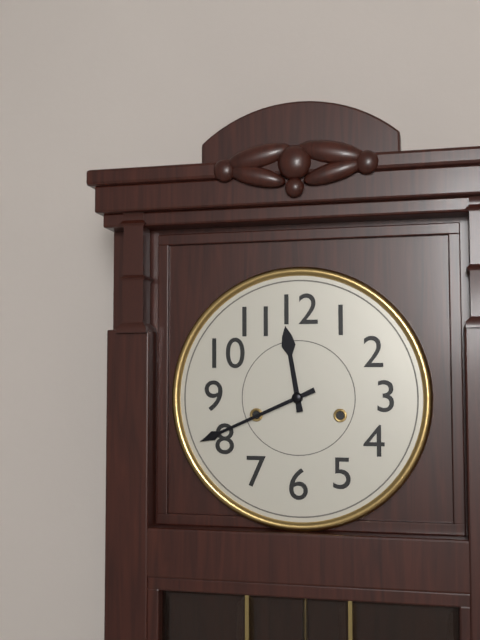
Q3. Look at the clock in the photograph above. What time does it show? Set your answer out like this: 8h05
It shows 11h41
